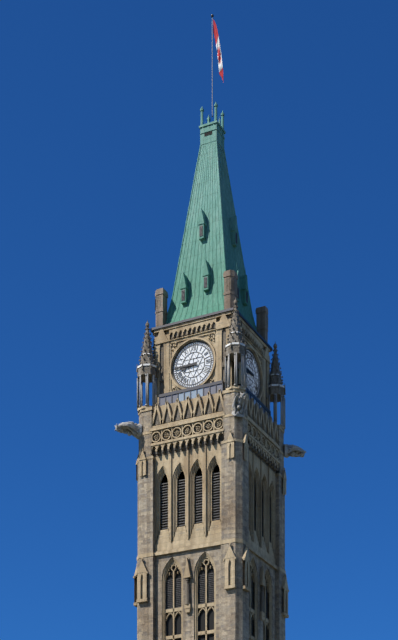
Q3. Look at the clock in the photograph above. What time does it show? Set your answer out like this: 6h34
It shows 8h45
